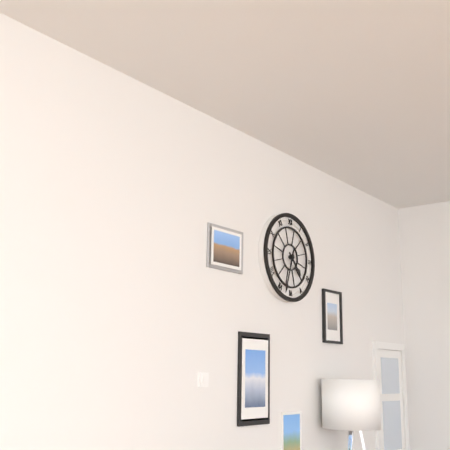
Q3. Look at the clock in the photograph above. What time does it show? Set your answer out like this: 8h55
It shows 4h33
